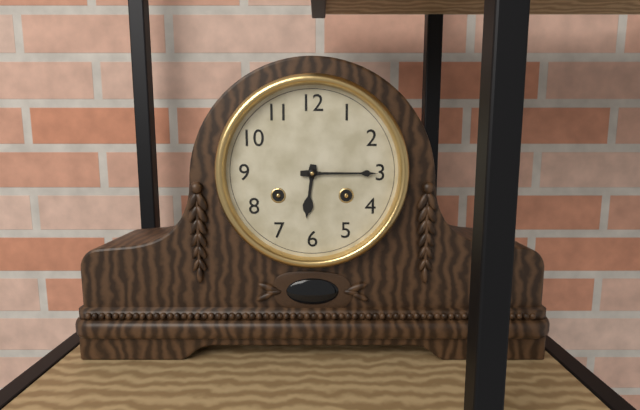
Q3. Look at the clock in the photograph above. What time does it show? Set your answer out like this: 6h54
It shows 6h15
